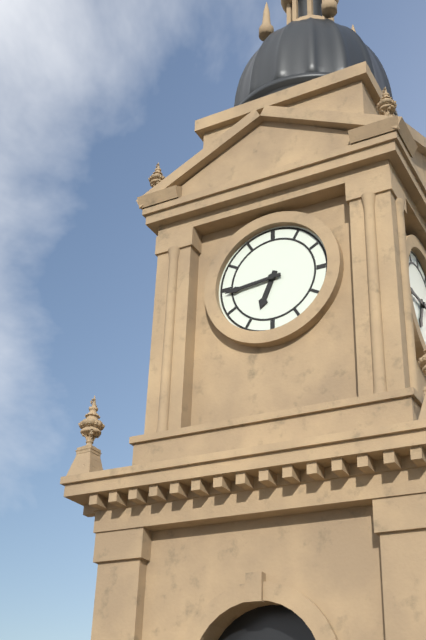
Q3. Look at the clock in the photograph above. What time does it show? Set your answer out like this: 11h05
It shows 6h44
